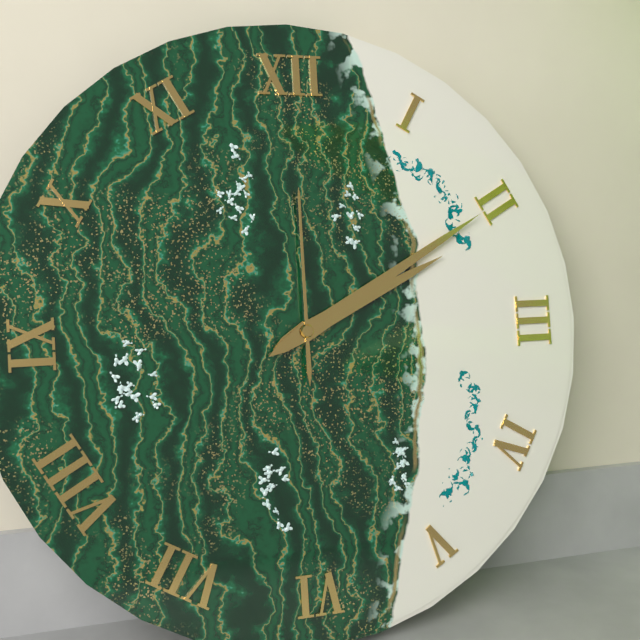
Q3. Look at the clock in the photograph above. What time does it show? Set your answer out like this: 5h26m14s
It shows 2h10m00s
